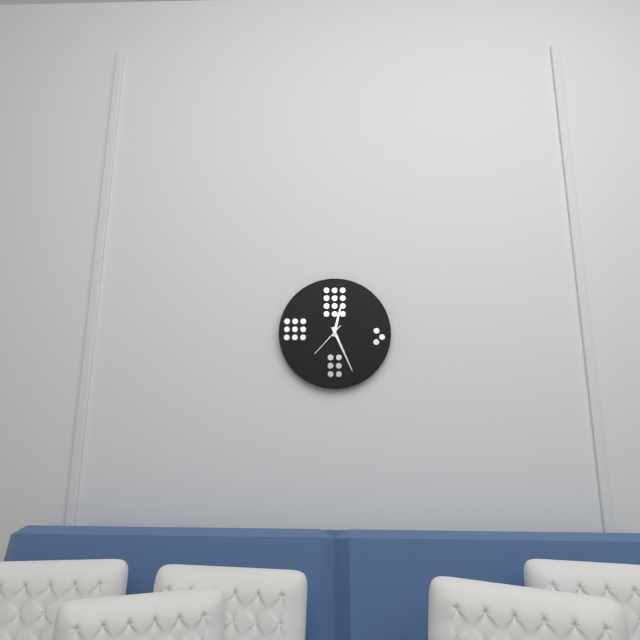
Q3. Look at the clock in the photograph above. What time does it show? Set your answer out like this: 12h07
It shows 12h26
